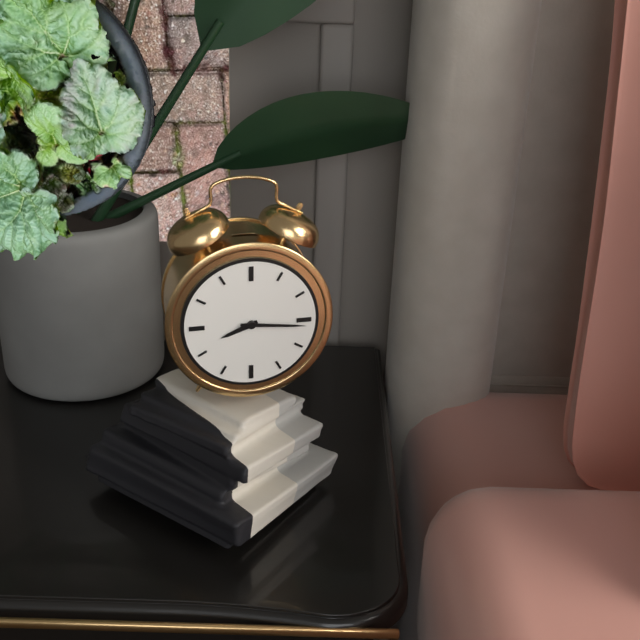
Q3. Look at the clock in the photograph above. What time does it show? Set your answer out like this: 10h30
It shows 8h16
